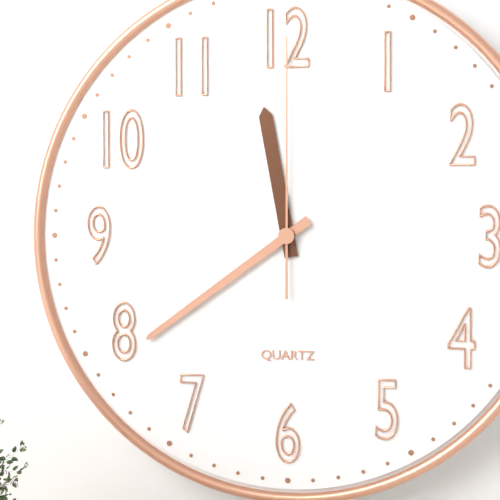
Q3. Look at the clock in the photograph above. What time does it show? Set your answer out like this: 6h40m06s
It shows 11h39m00s
